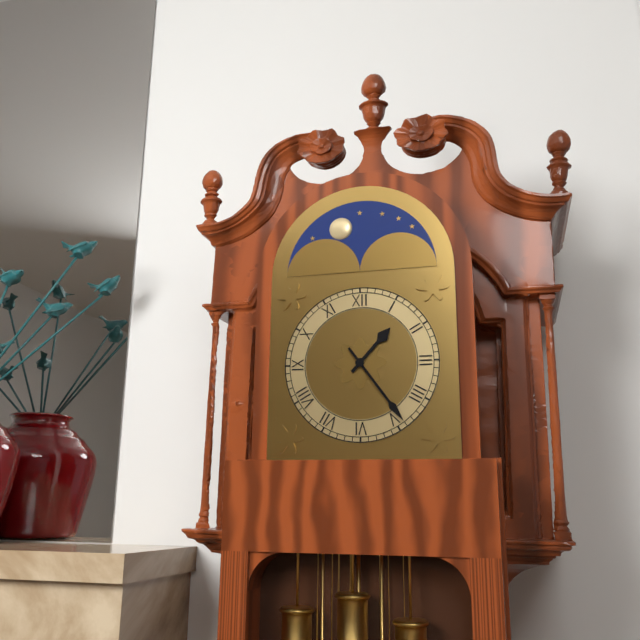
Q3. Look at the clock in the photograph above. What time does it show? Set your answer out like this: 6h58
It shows 1h24
